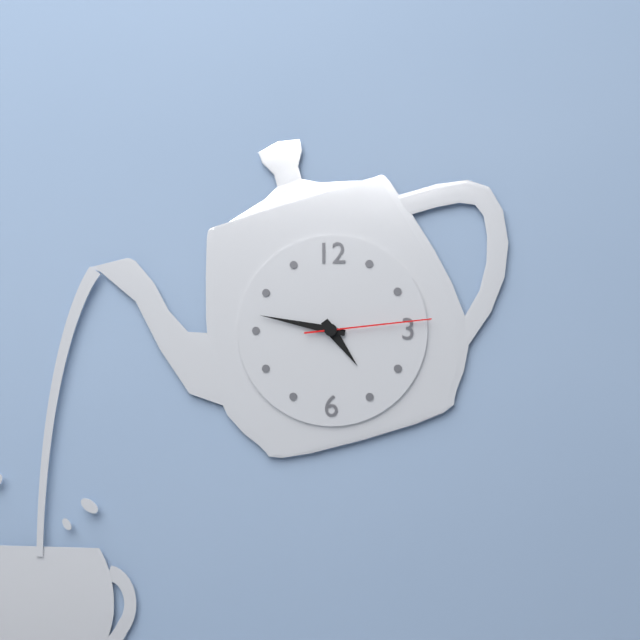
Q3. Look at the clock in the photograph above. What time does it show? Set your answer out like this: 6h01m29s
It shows 4h47m14s
